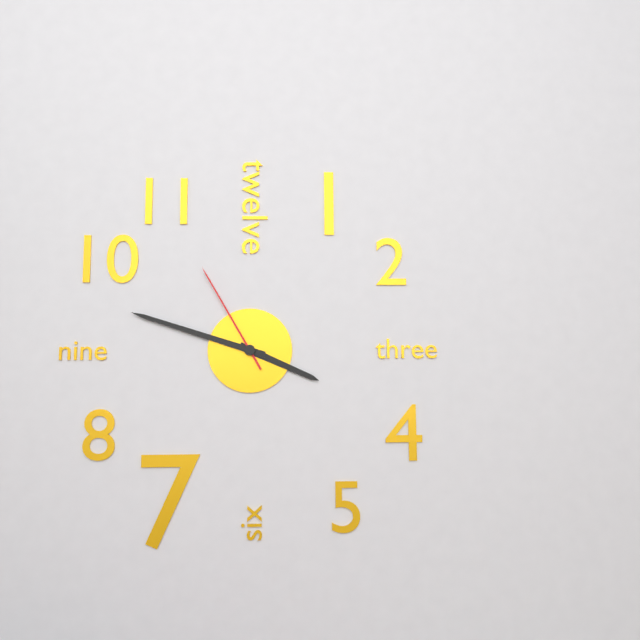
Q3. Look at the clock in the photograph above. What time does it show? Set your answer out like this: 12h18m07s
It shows 3h48m55s
